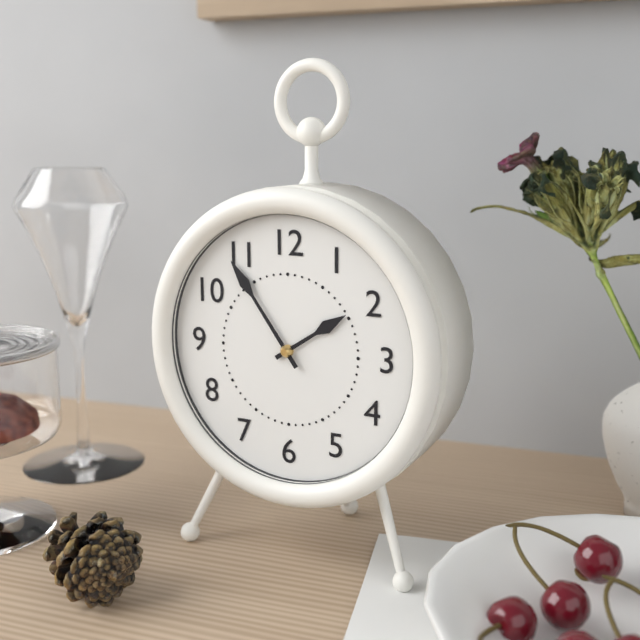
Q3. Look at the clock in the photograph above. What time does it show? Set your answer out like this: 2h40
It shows 1h54
